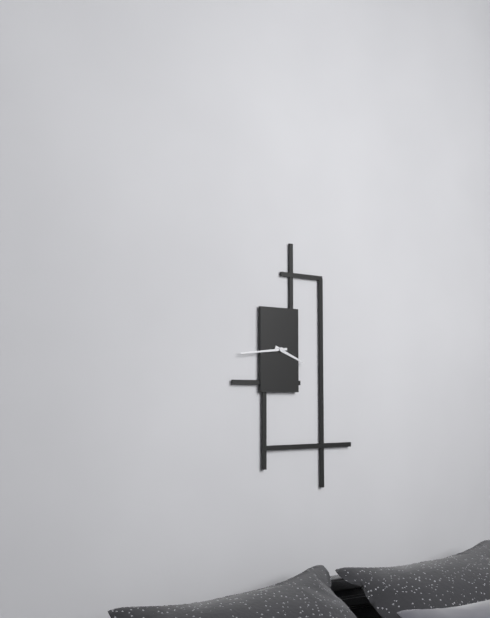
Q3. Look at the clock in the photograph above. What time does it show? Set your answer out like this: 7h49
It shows 3h44
